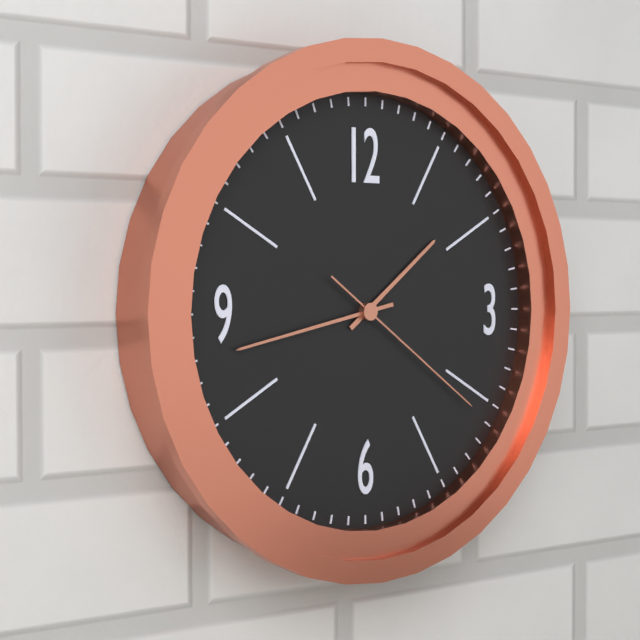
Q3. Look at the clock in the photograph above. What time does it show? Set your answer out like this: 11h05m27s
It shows 1h43m21s
